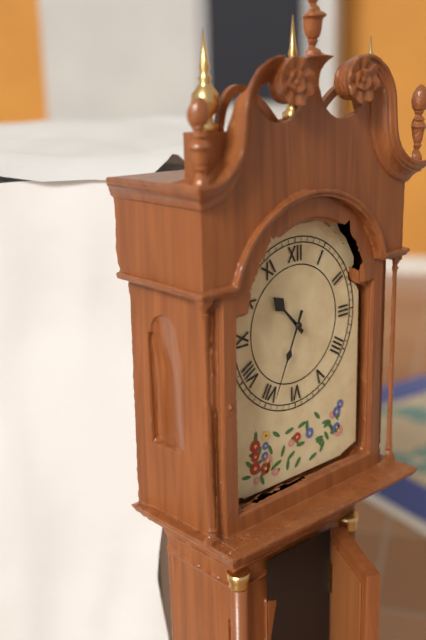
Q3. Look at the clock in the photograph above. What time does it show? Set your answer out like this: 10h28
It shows 10h34
